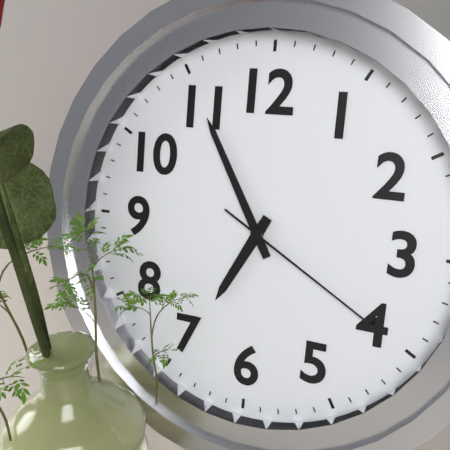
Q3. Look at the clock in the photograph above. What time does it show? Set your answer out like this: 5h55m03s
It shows 6h55m20s
